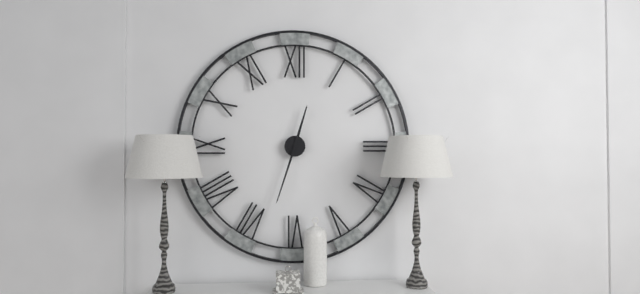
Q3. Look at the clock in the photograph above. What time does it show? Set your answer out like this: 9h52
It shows 12h33
